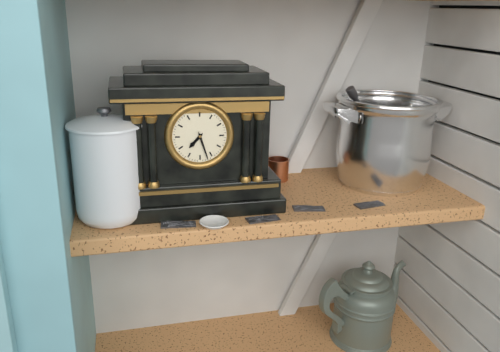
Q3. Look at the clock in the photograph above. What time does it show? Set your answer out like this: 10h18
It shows 7h27
